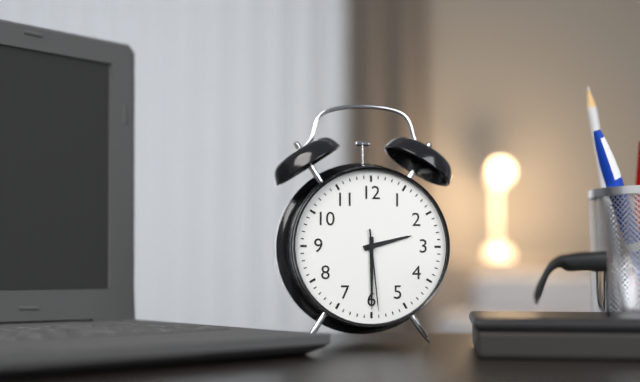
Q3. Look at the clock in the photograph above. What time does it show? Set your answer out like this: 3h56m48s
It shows 2h30m29s
